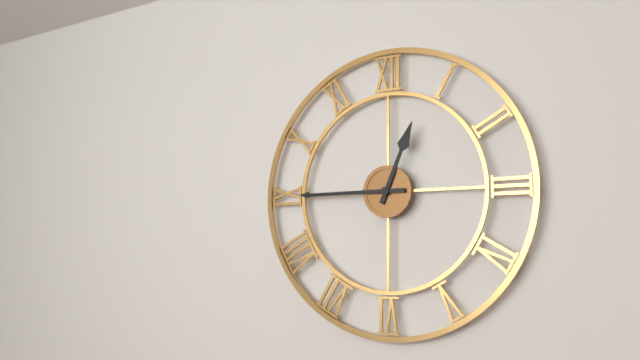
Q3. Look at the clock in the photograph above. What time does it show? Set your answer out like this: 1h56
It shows 12h45
